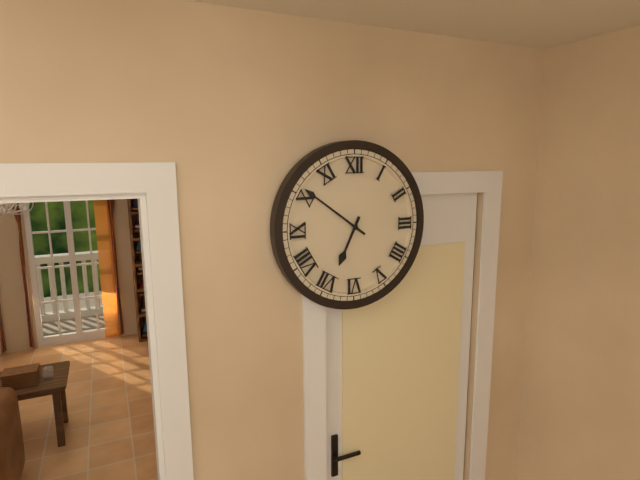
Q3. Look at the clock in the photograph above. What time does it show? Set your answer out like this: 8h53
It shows 6h51
